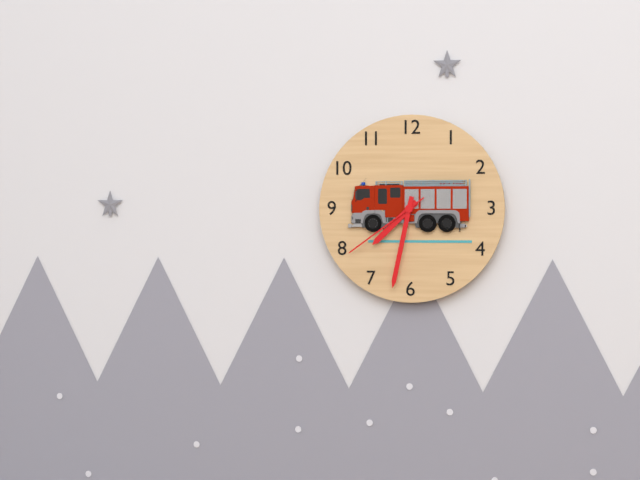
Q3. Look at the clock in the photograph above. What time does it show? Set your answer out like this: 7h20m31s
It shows 7h32m39s
